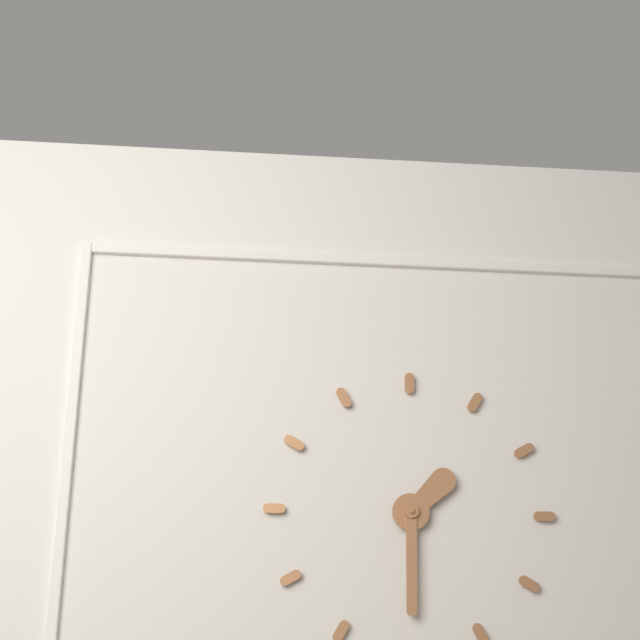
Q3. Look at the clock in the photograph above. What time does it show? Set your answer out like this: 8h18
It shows 1h30
